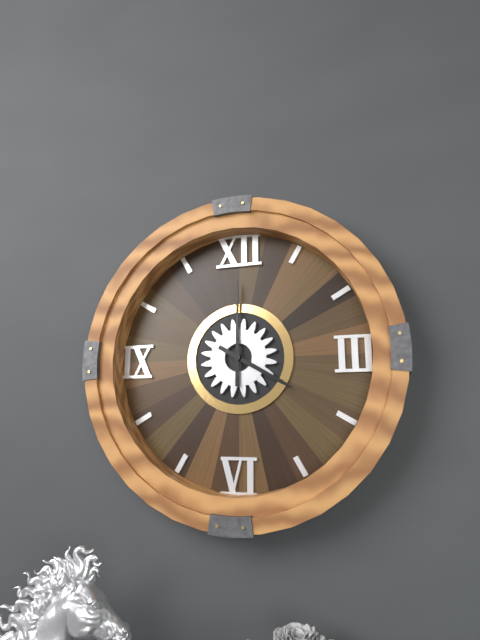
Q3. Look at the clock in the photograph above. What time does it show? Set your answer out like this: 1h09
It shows 4h00
